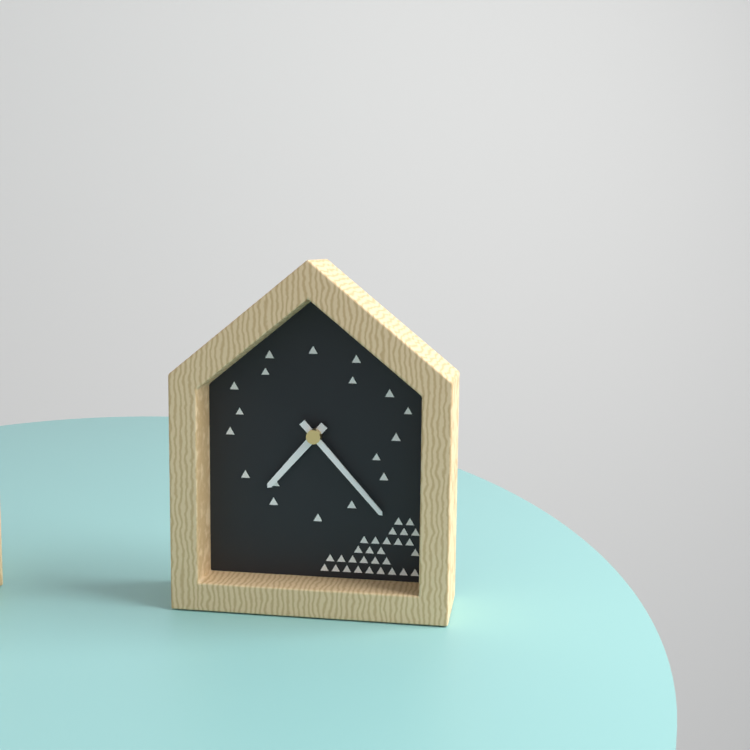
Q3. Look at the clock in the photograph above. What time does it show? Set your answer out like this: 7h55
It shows 7h23
